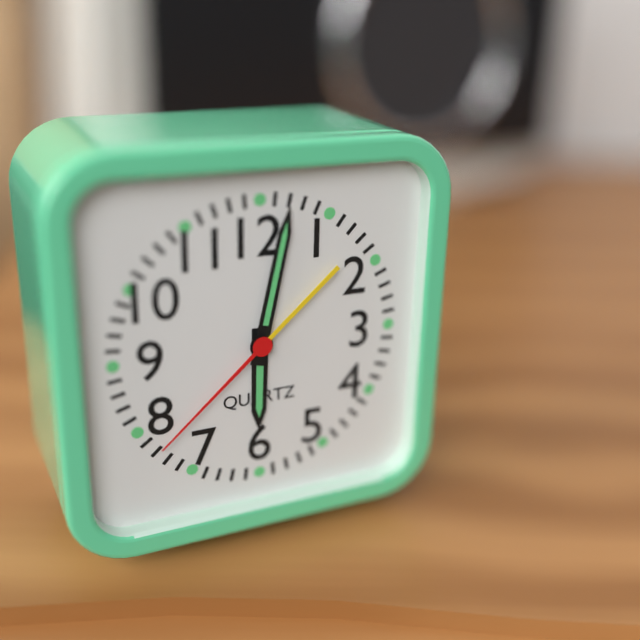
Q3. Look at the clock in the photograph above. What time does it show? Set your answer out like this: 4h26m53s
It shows 6h02m38s
